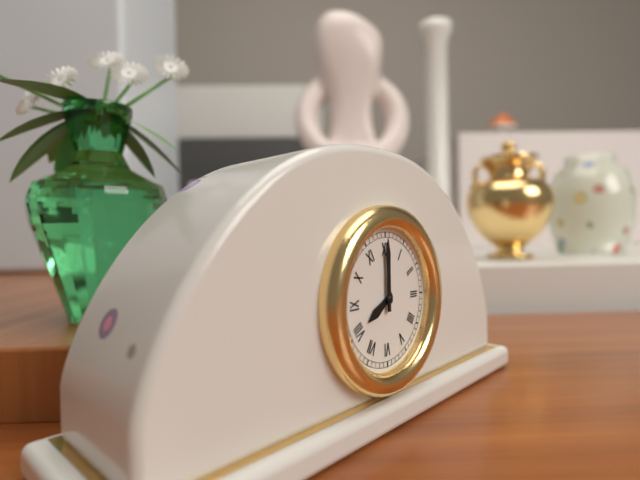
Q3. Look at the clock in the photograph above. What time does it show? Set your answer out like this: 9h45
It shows 8h00
